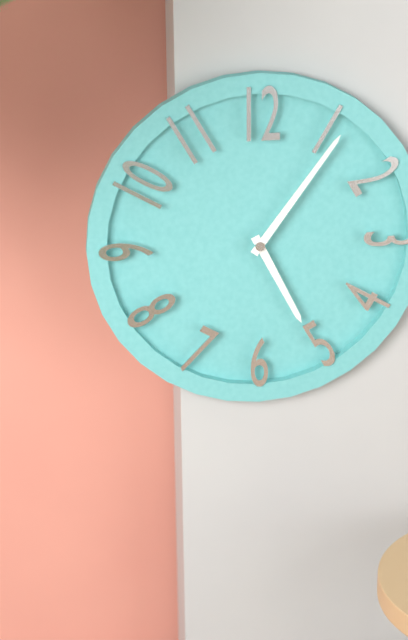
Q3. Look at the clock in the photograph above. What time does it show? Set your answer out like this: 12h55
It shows 5h06
